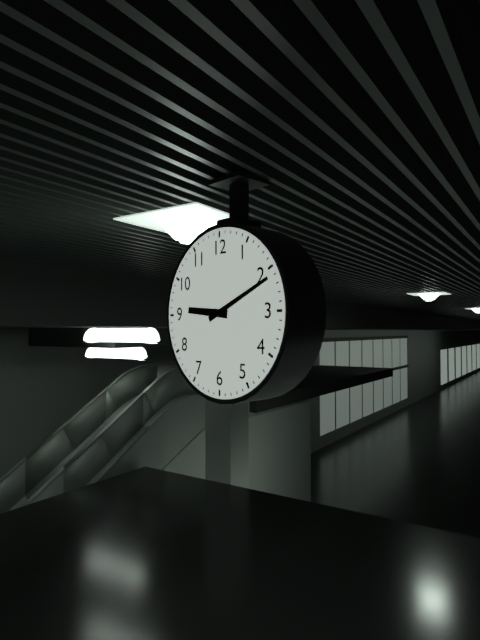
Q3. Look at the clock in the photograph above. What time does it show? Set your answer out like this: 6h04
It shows 9h11
